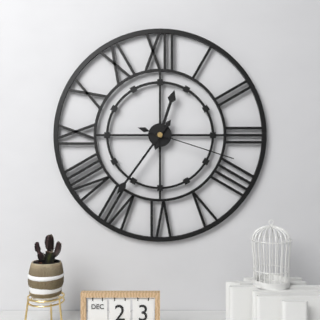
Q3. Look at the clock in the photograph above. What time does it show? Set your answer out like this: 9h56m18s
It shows 12h36m18s
